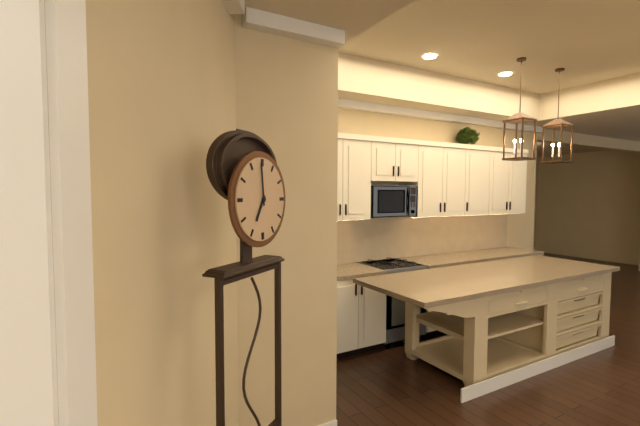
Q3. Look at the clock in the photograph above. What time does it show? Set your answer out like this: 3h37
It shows 6h59
